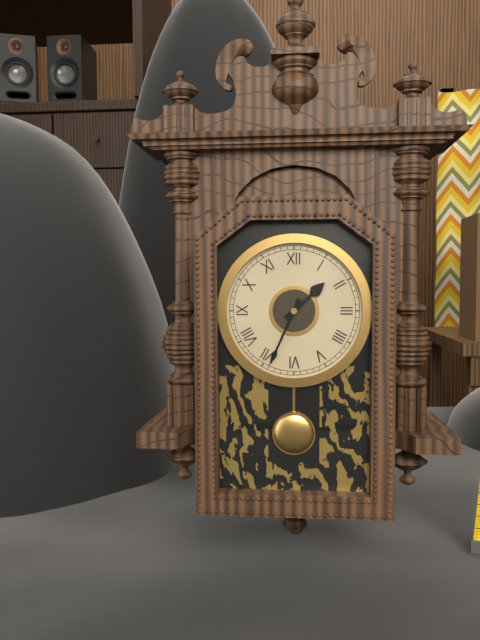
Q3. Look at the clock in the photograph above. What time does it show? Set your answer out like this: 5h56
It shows 1h34
